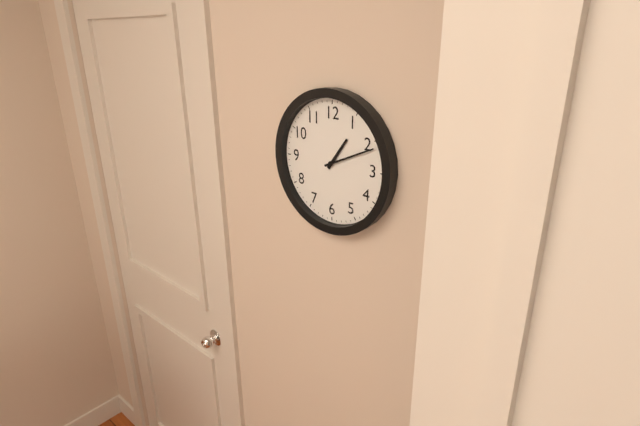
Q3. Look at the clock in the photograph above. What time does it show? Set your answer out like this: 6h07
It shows 1h11
